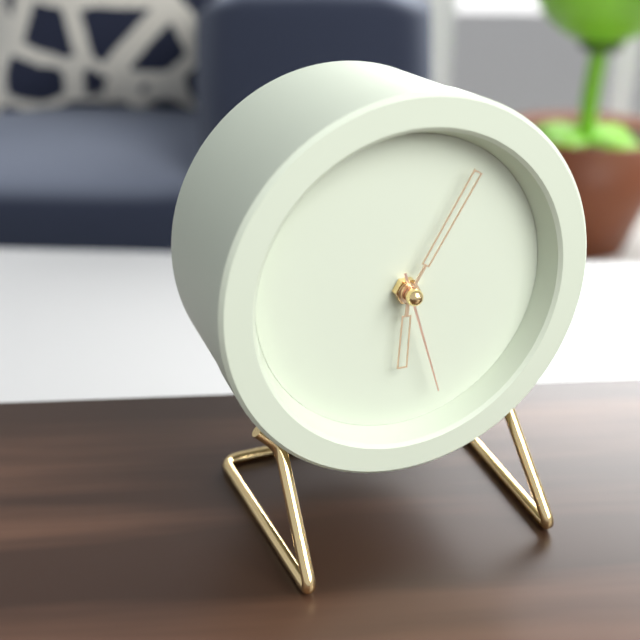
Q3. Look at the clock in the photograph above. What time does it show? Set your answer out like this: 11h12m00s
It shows 6h05m27s
